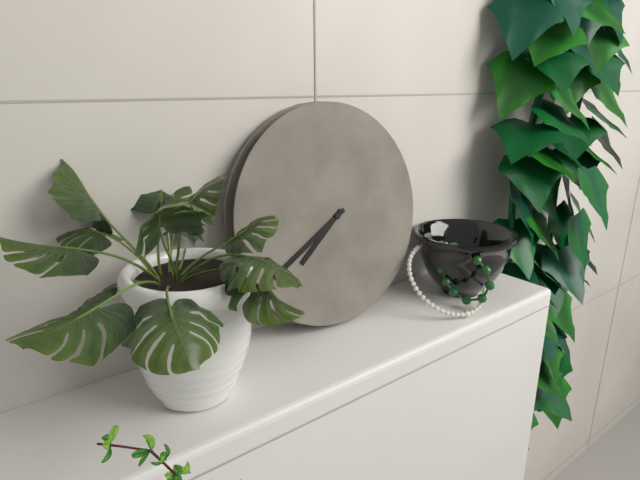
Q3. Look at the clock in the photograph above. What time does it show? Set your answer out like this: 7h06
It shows 7h40
